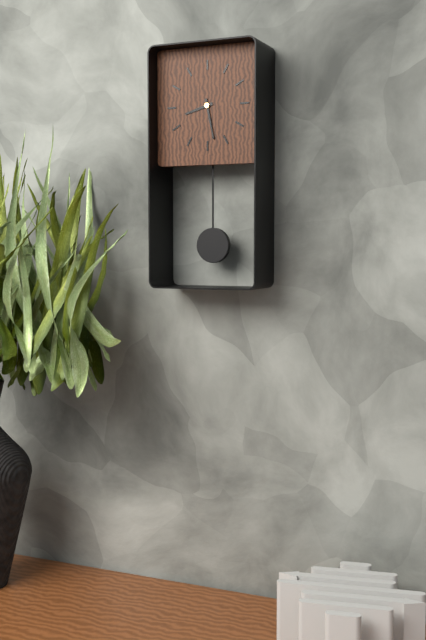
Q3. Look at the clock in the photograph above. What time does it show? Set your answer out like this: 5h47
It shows 8h28
